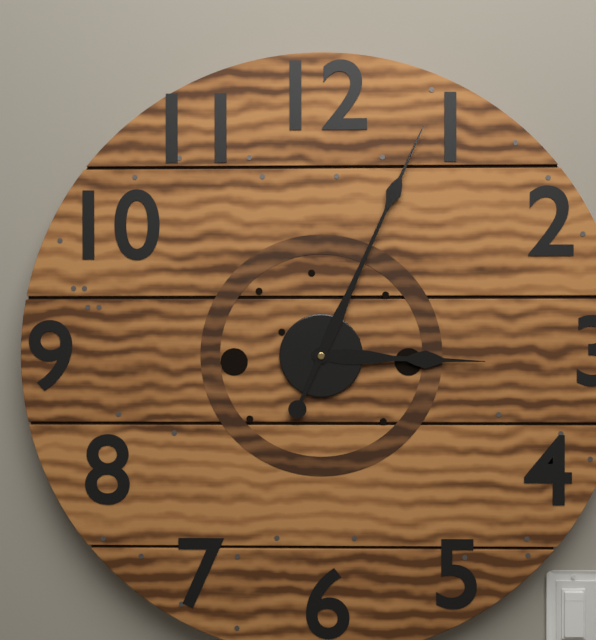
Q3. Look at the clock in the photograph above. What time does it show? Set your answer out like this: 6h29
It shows 3h04
